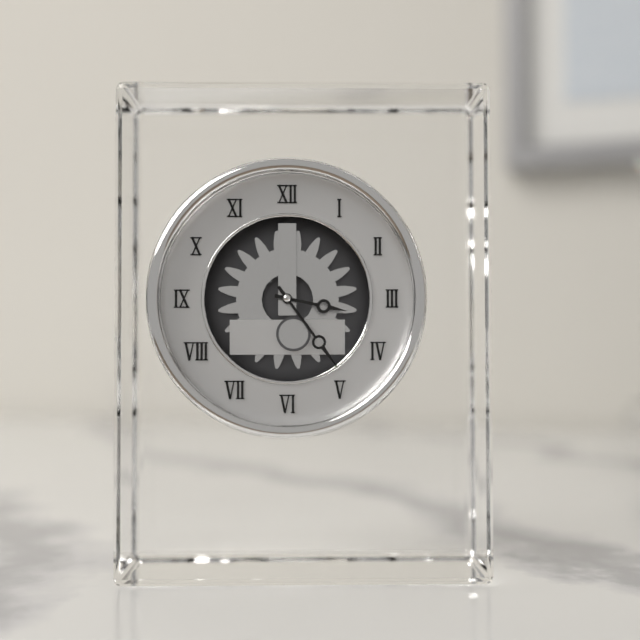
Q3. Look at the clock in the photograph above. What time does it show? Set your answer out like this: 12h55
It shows 3h24
